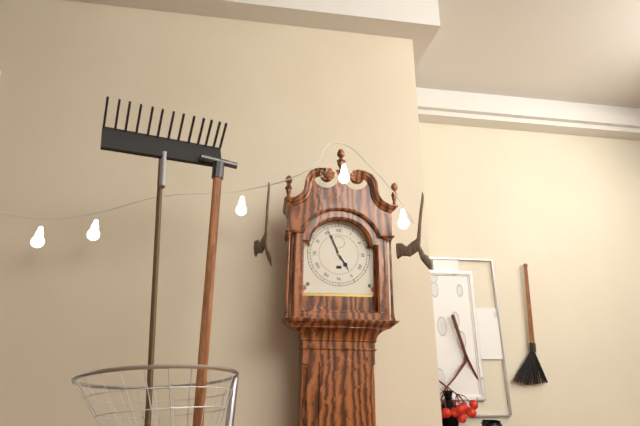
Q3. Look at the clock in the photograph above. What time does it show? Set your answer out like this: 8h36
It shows 4h56
